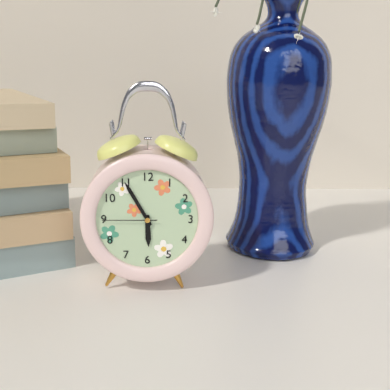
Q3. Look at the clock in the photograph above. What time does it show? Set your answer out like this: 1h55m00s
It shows 5h55m45s
